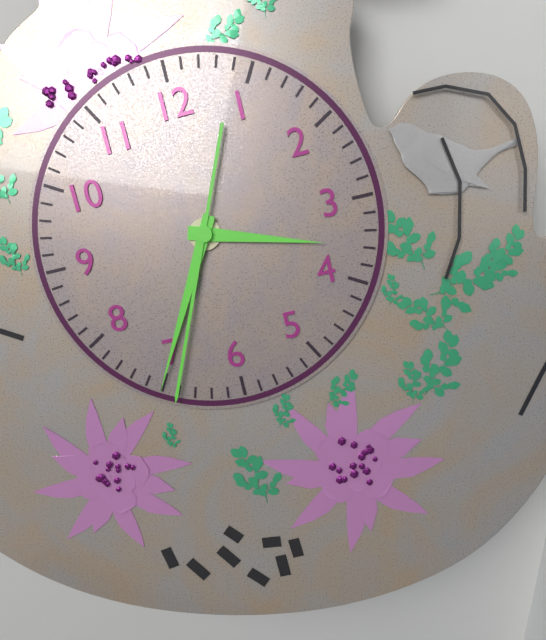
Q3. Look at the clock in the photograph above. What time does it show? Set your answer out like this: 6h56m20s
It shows 3h35m34s
